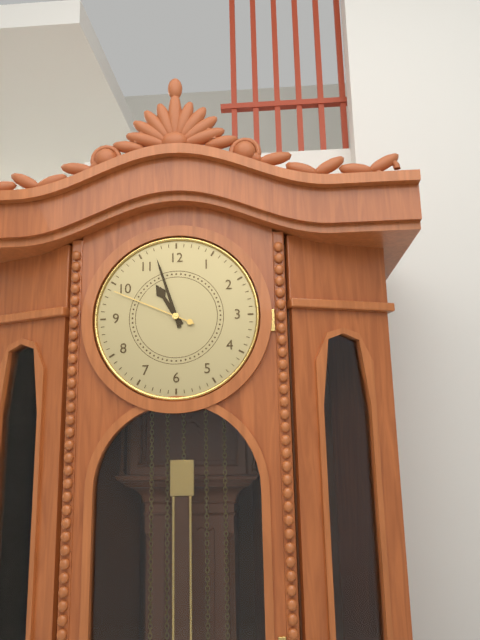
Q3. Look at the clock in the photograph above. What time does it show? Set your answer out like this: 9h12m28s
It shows 10h57m49s
